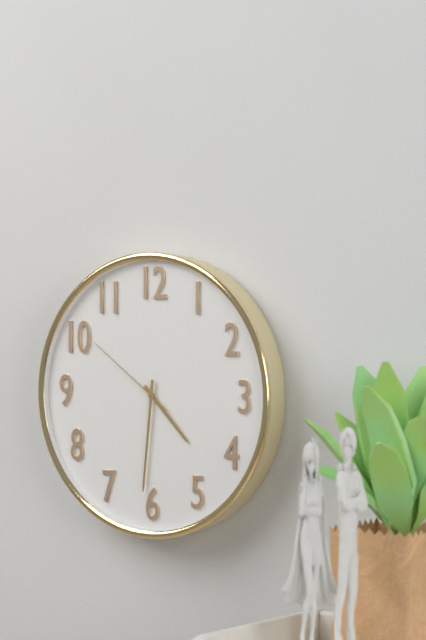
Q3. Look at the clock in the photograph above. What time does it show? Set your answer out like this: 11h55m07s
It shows 4h31m51s
